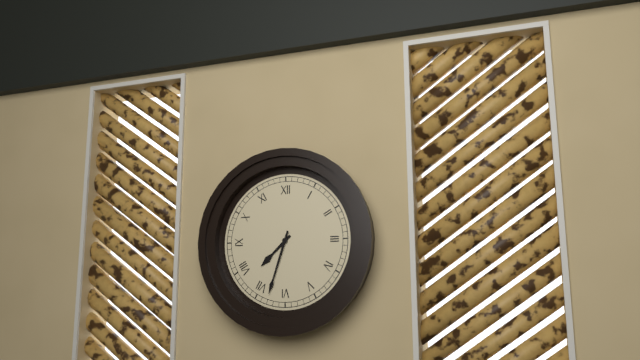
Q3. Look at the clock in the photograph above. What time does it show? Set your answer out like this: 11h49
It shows 7h33
